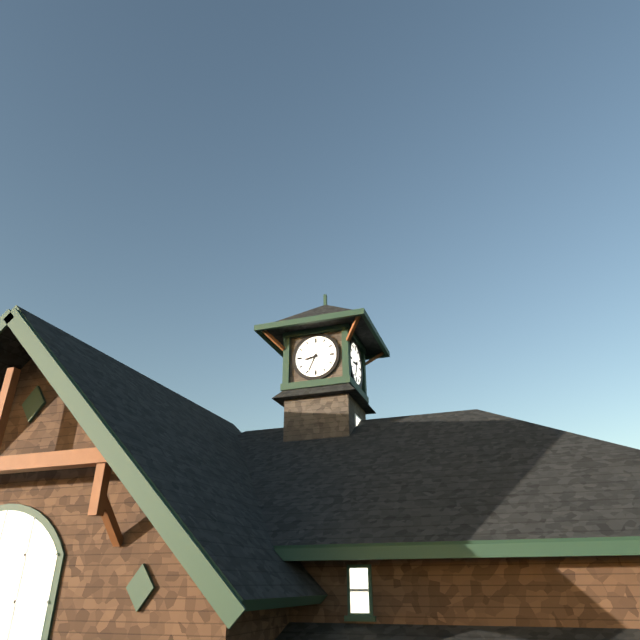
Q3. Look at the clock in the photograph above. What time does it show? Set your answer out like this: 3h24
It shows 8h34
